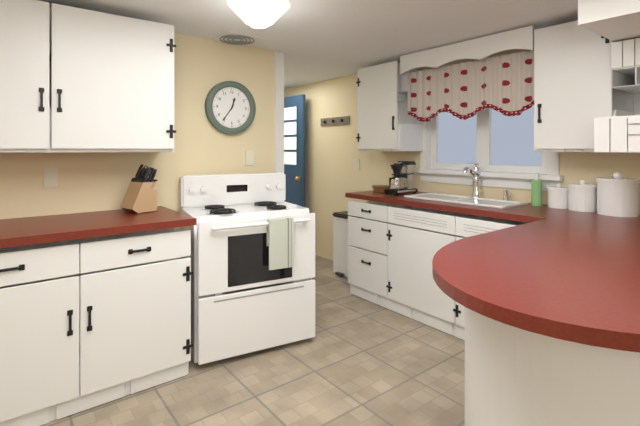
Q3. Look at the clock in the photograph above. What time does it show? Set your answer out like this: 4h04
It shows 12h36
